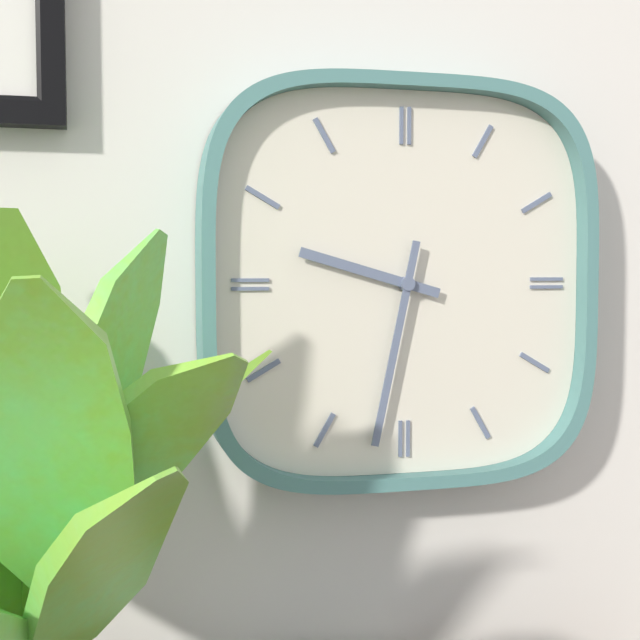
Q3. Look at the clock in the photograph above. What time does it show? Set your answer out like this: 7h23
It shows 9h32
